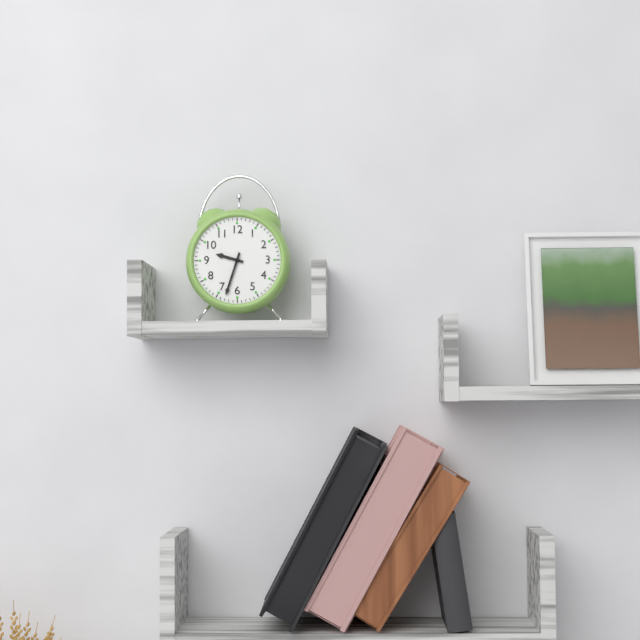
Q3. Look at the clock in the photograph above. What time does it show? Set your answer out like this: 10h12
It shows 9h33
